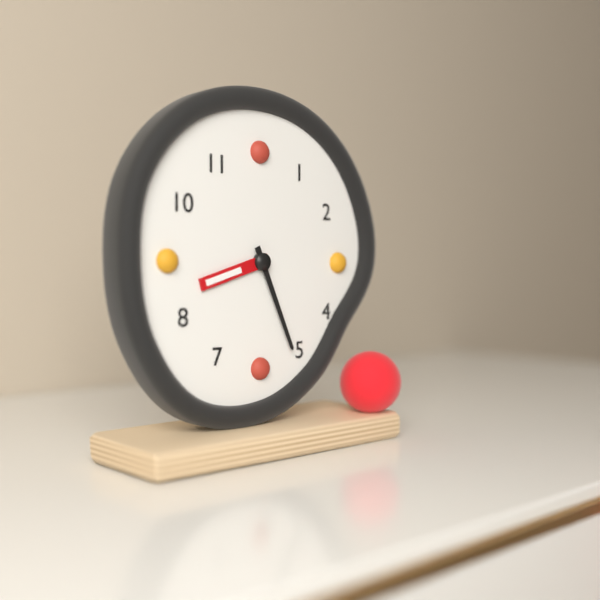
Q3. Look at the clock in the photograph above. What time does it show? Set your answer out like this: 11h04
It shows 8h26
